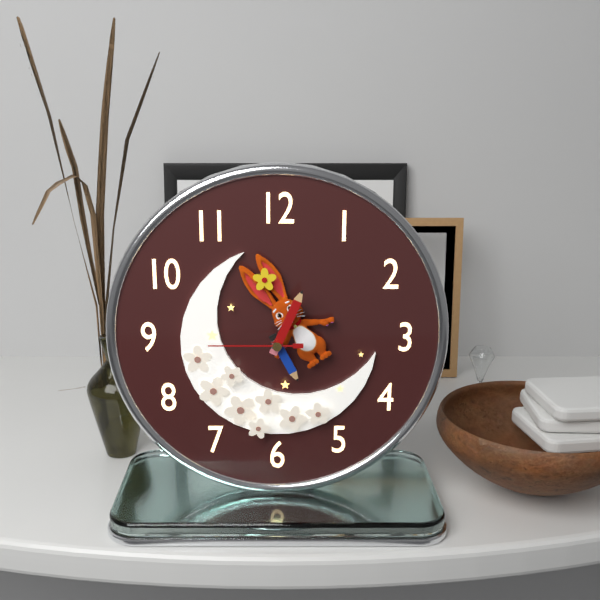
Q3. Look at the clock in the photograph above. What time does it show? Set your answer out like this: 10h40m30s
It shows 5h04m45s
